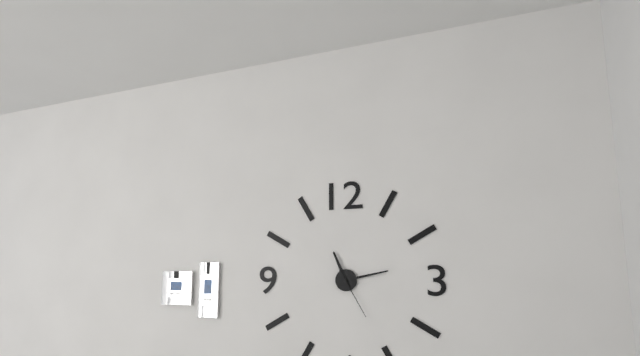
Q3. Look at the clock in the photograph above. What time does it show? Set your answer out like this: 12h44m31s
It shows 11h13m25s
